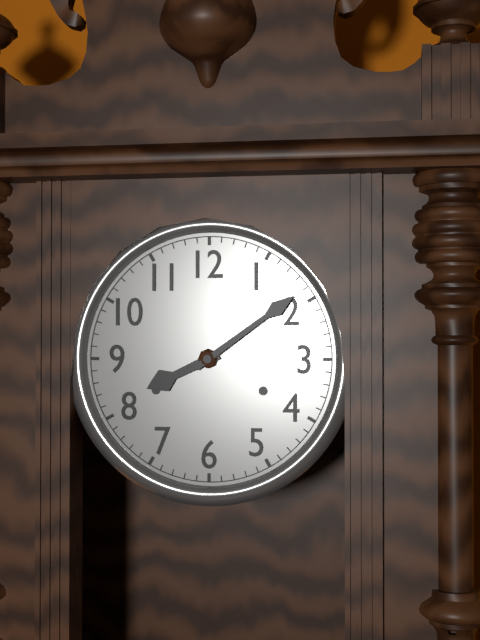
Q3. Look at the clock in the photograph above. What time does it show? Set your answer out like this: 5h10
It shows 8h09
